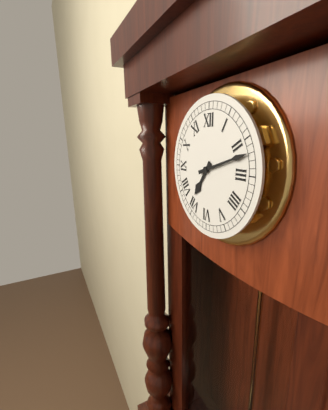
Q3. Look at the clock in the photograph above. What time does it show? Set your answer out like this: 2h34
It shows 7h12
